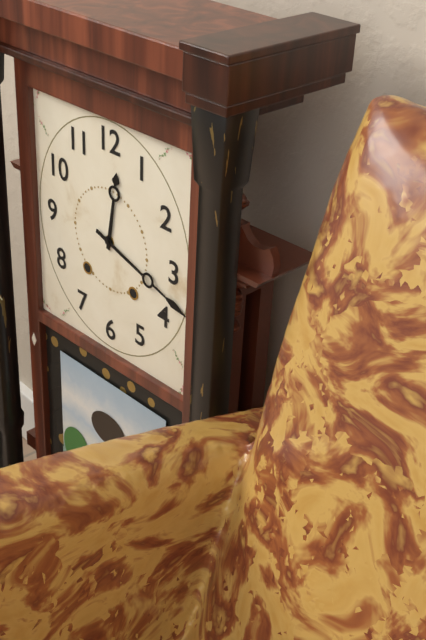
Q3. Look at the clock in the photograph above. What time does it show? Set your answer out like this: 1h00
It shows 12h18
